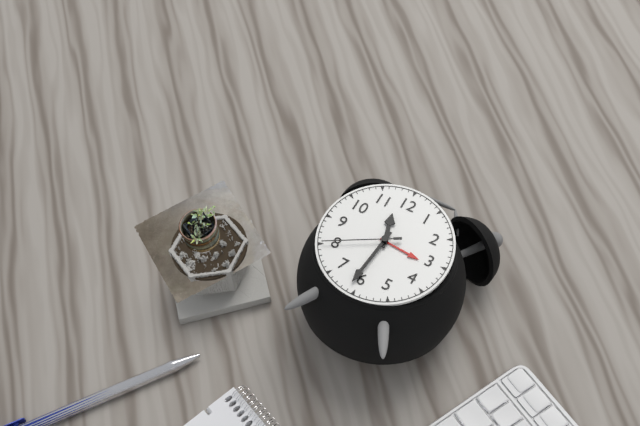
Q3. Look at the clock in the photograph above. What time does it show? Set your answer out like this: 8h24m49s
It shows 11h31m40s
